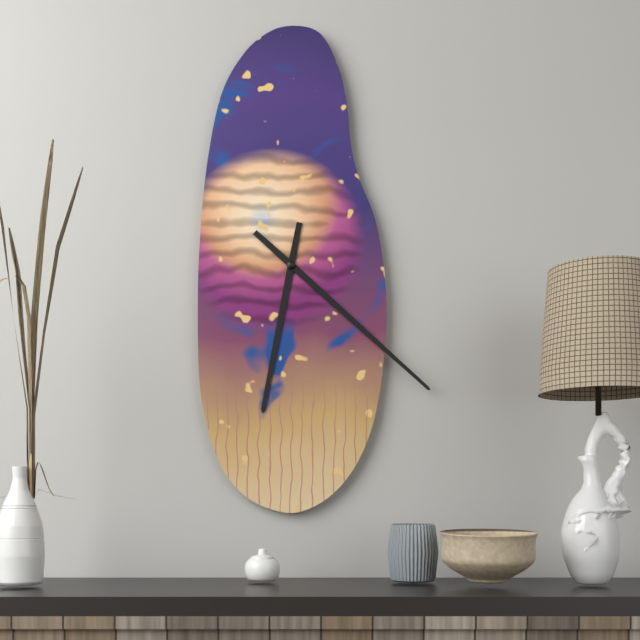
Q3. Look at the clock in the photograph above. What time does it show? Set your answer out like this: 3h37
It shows 6h22
